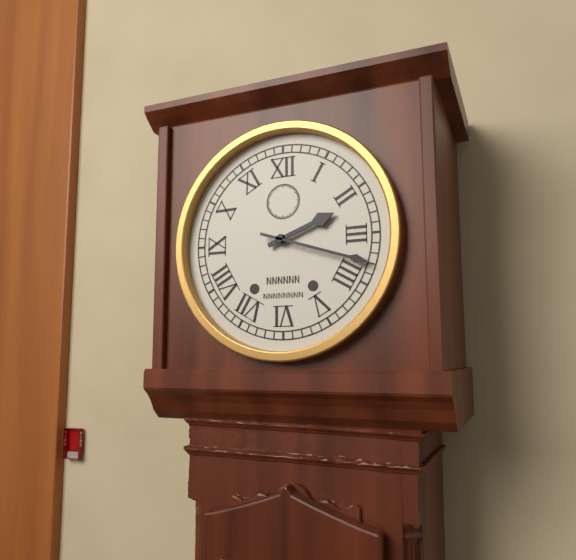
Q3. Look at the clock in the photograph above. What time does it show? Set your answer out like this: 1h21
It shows 2h18
